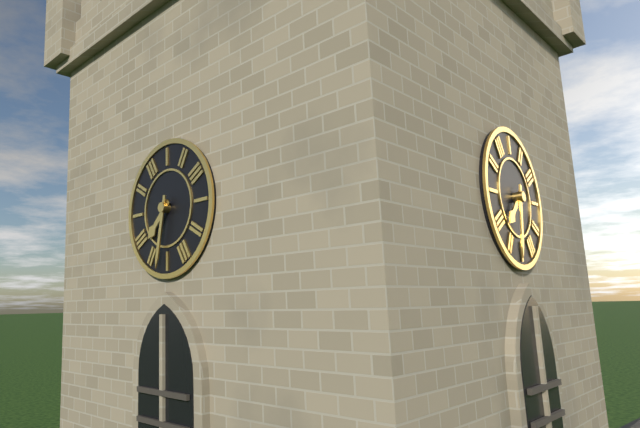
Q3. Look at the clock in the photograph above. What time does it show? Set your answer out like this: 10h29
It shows 7h32
